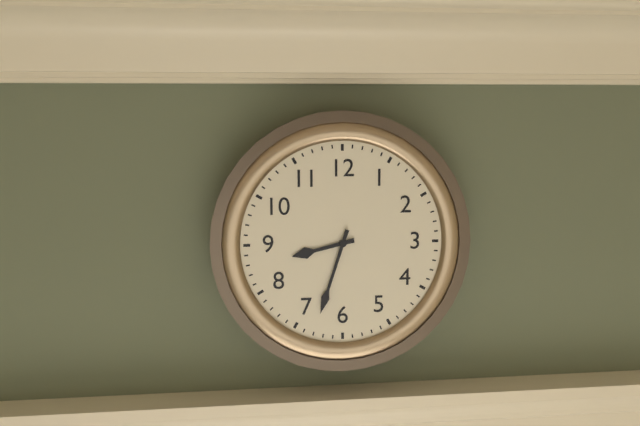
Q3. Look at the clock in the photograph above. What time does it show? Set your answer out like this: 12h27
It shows 8h33
